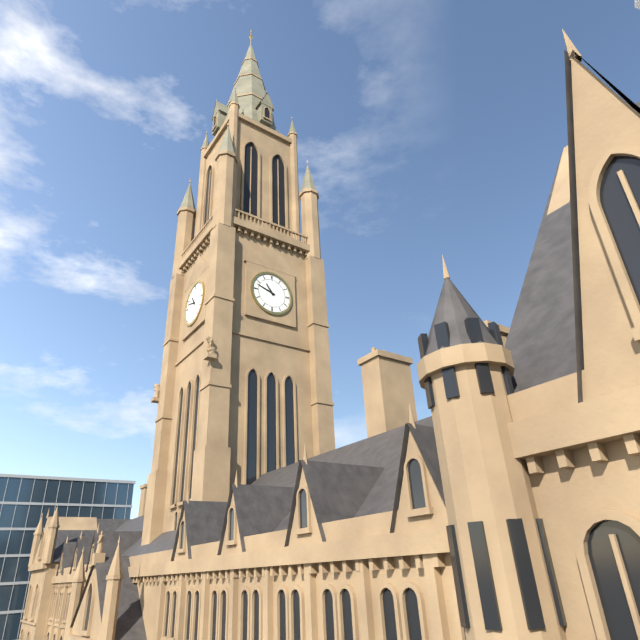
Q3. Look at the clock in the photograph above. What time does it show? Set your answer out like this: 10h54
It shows 10h48
